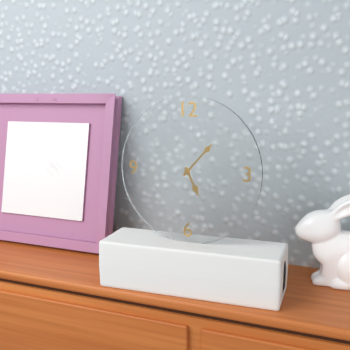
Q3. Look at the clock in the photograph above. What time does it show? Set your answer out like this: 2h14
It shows 5h07
